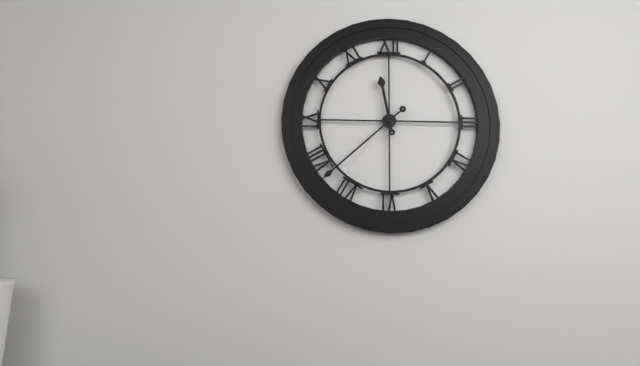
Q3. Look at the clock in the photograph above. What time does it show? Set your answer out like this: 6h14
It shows 11h38
